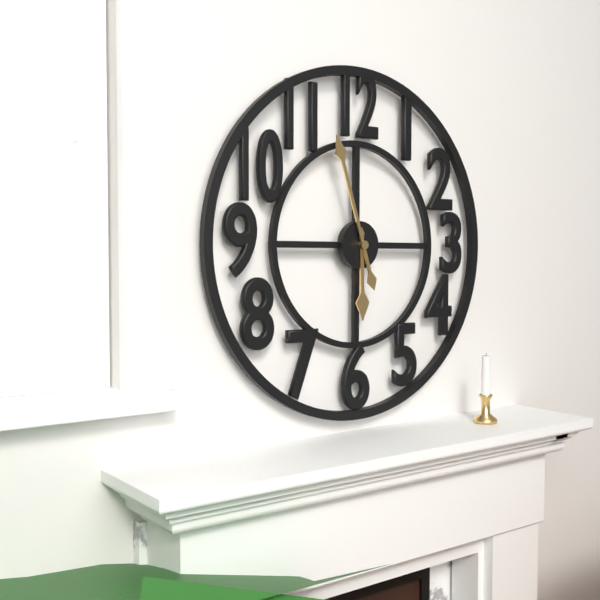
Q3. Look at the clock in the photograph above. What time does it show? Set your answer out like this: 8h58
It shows 5h57
